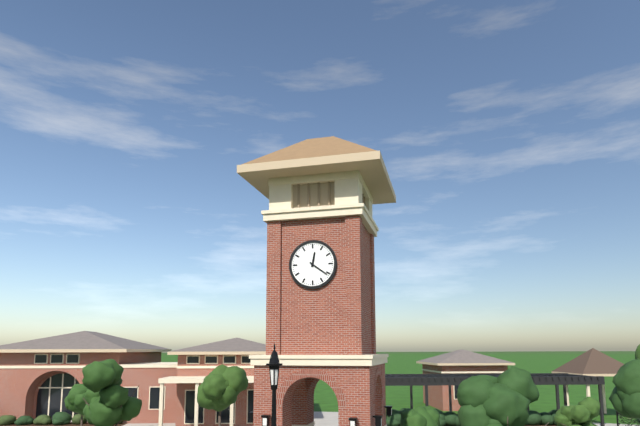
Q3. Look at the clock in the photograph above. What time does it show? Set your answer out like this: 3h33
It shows 12h21
